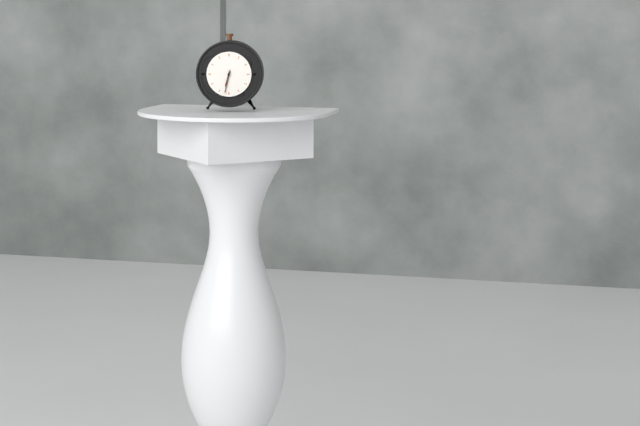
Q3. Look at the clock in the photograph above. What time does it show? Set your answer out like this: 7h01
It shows 6h32
